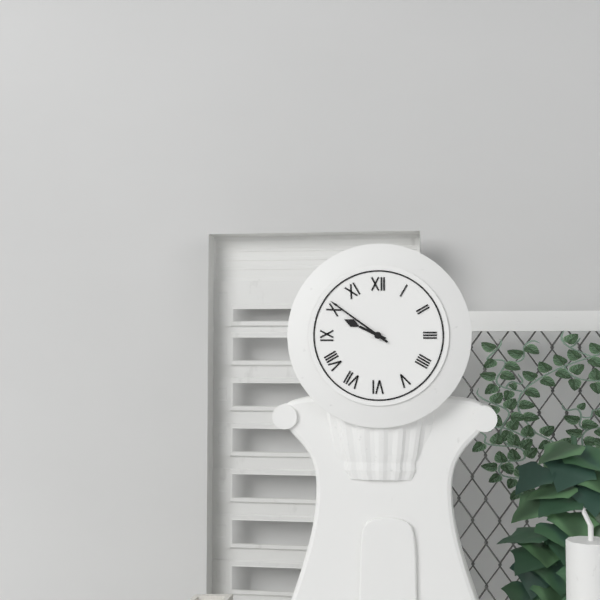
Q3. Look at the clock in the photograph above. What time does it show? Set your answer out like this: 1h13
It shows 9h51
